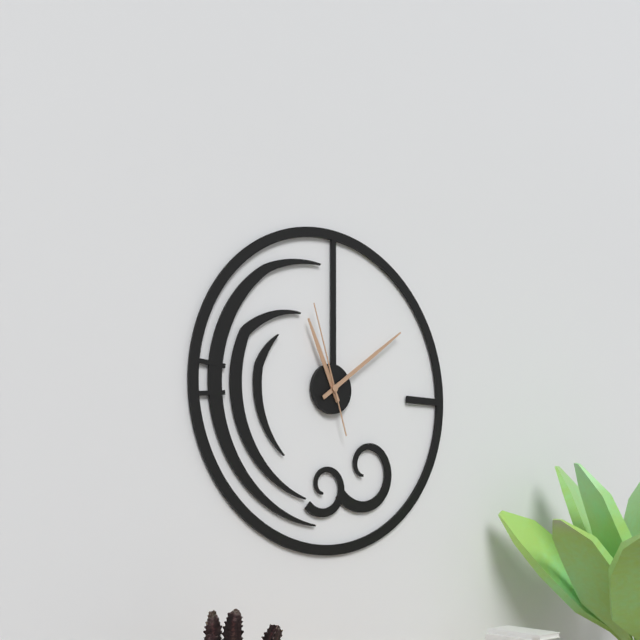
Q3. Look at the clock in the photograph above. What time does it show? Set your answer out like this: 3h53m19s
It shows 11h09m57s
